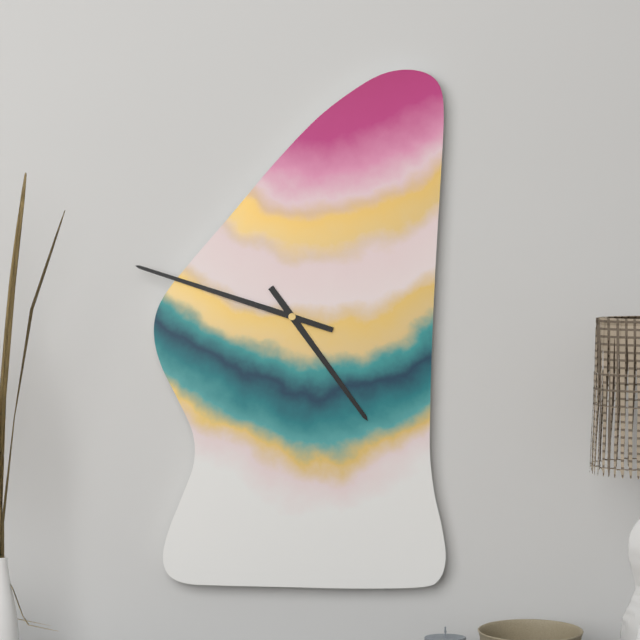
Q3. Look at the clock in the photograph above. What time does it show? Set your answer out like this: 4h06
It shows 4h48
